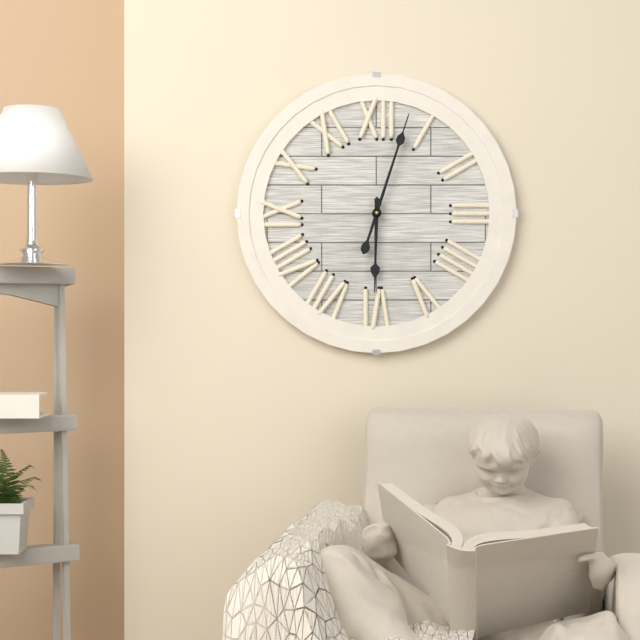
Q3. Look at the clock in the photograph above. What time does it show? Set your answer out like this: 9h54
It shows 6h03
